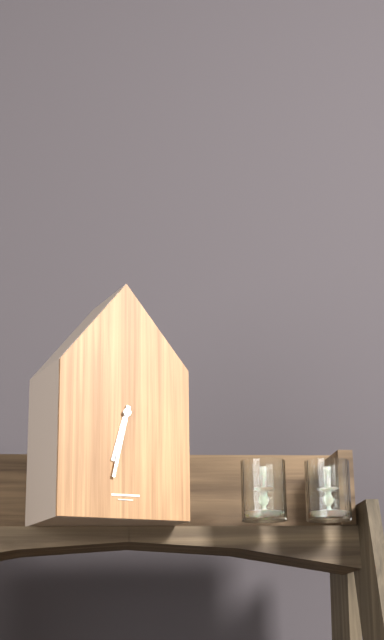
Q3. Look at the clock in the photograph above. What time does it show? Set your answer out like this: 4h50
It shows 6h32
